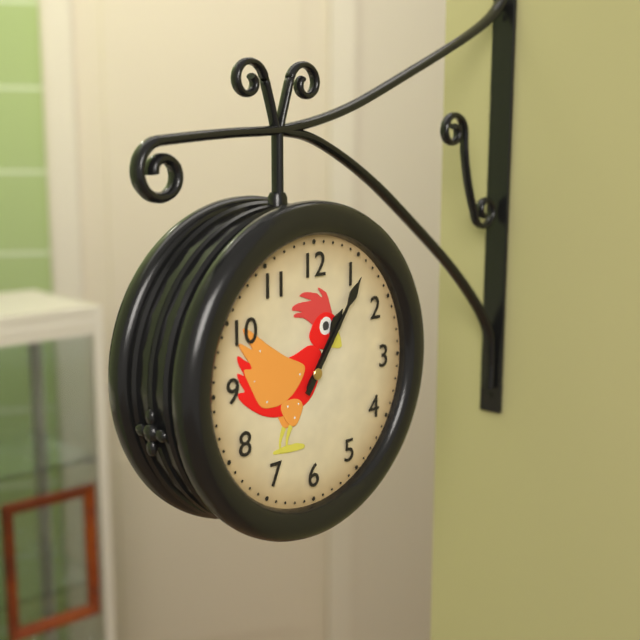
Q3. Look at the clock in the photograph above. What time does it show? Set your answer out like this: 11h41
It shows 1h06
